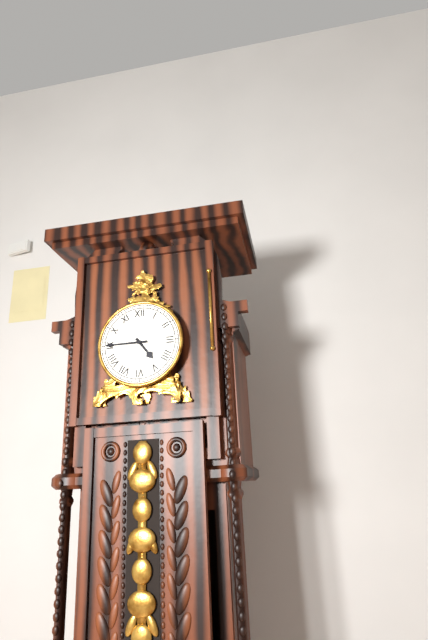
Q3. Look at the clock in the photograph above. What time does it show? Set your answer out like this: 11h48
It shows 4h45
